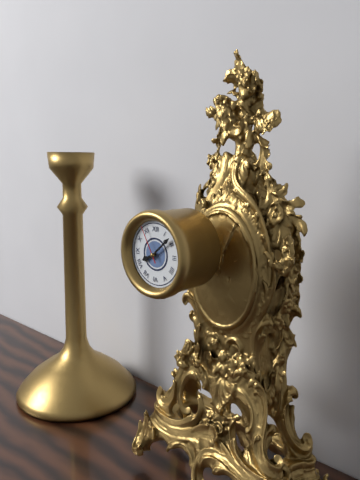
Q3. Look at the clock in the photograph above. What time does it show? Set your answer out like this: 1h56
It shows 8h08
